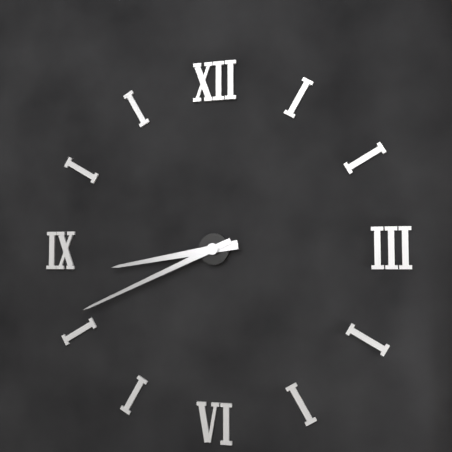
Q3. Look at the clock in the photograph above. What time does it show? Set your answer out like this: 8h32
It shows 8h41
